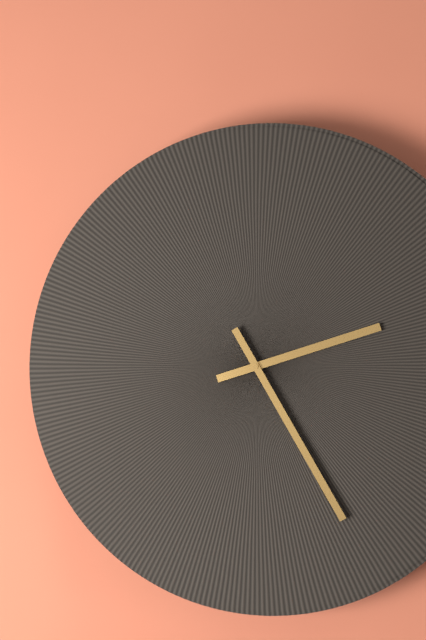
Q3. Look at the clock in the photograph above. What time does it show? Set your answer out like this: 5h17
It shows 2h25
